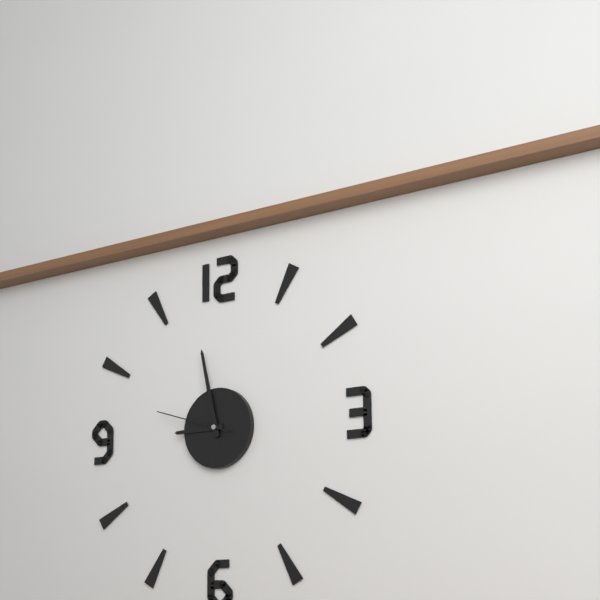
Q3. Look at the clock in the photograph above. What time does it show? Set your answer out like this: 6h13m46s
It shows 8h58m48s
